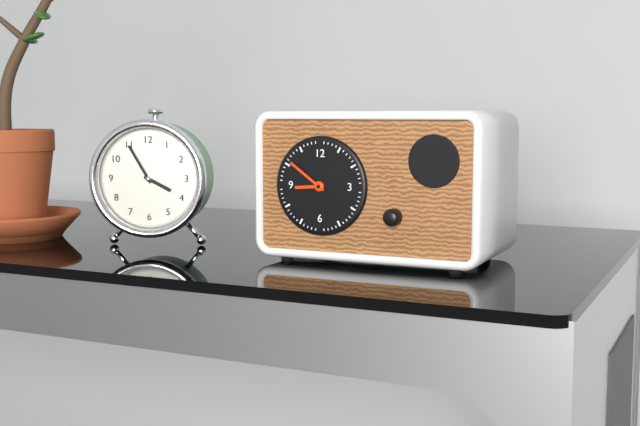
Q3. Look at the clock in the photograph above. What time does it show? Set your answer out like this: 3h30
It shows 8h51
